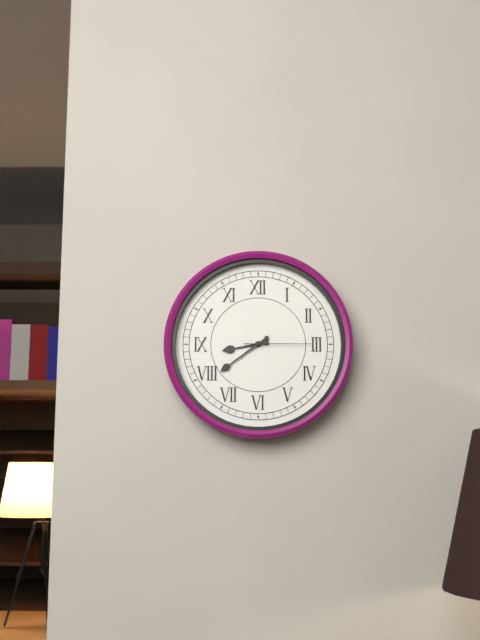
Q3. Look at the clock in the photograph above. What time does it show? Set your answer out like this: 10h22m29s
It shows 8h39m15s
